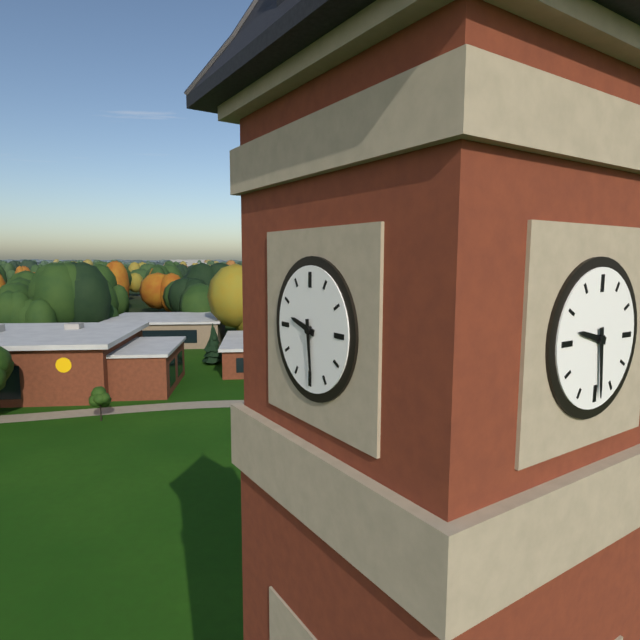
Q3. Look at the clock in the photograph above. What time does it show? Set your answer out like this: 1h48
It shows 9h29
